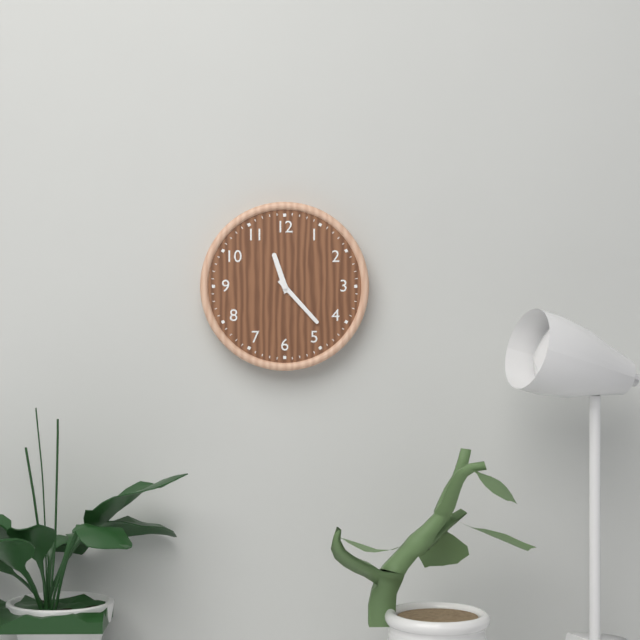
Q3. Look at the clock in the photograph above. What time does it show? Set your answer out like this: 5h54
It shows 11h23
